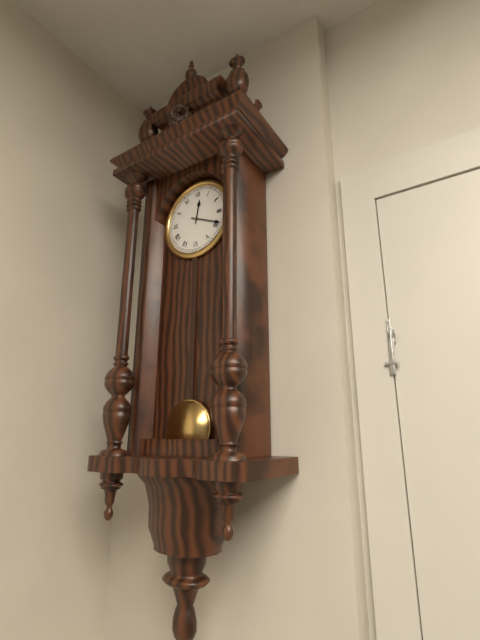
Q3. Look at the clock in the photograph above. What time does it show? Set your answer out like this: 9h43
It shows 12h19
